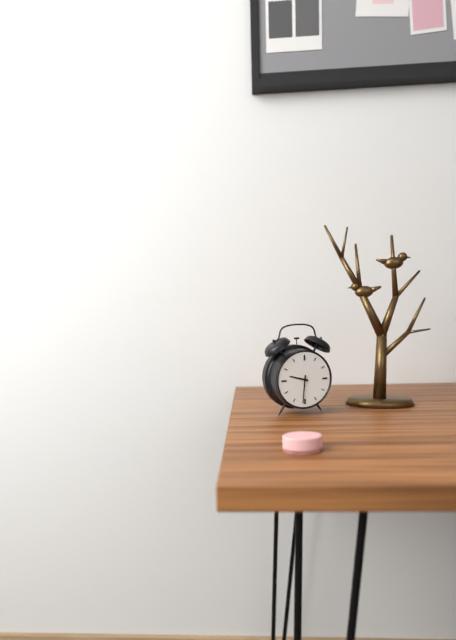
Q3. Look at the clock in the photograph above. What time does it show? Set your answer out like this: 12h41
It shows 9h31
